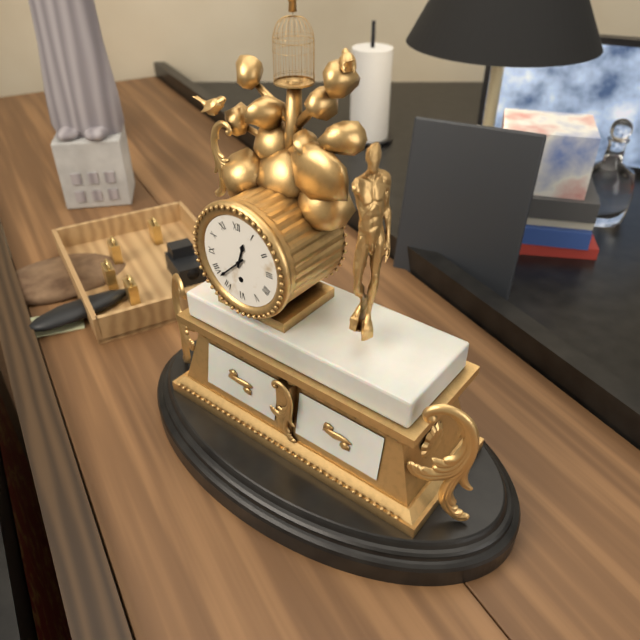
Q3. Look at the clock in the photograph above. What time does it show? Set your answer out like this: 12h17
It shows 12h38
